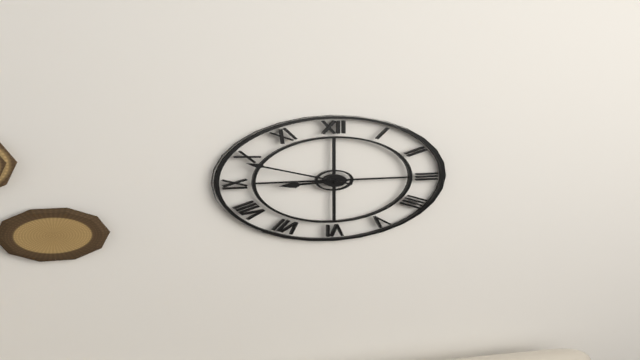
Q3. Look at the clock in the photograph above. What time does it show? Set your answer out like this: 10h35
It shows 8h49
